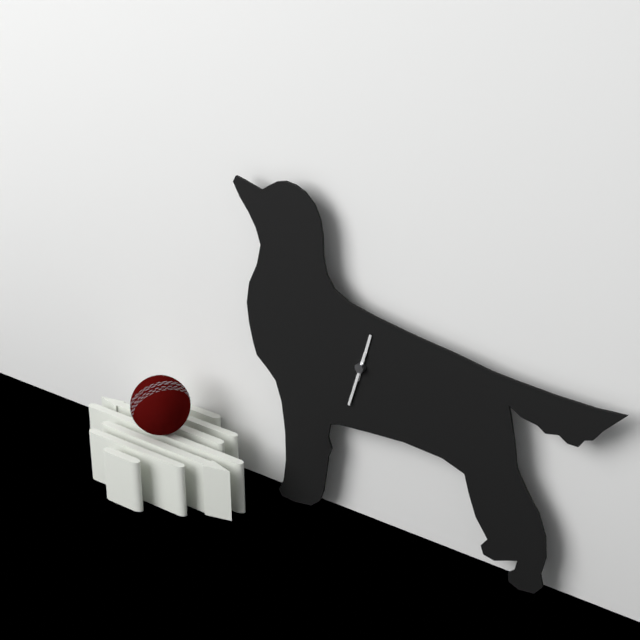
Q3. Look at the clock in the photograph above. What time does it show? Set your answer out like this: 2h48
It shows 12h33
